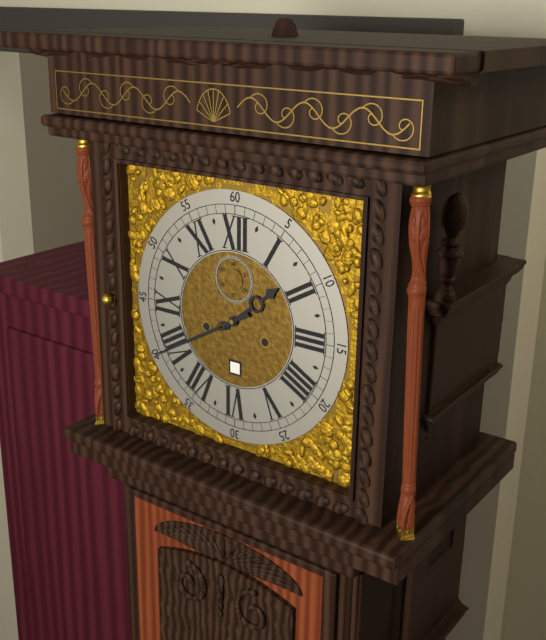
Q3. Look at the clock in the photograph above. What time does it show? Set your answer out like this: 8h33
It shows 1h40
